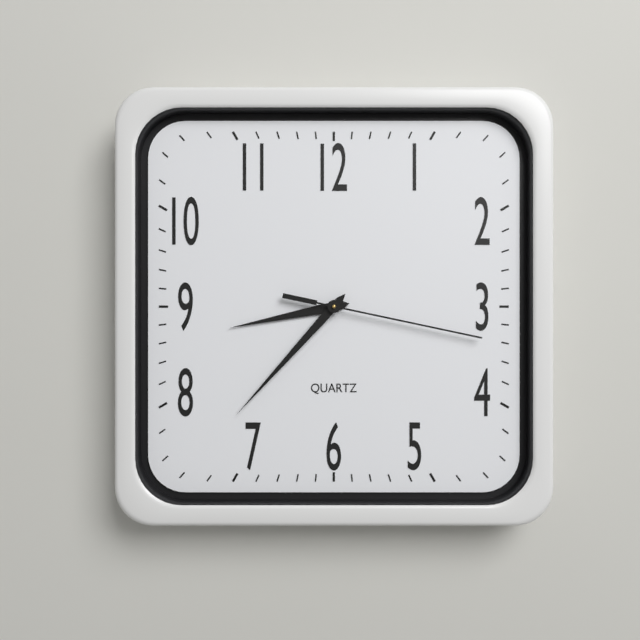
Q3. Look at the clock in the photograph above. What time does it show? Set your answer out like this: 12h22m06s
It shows 8h37m17s
